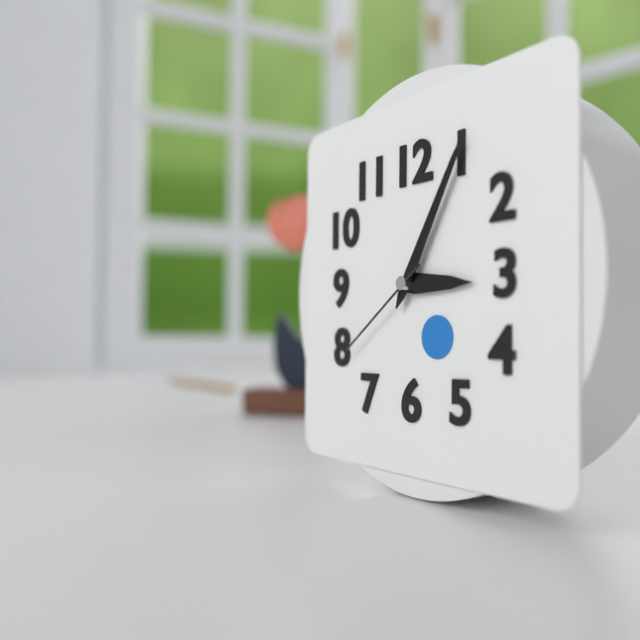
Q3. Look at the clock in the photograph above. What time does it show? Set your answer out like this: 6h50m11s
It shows 3h05m39s
